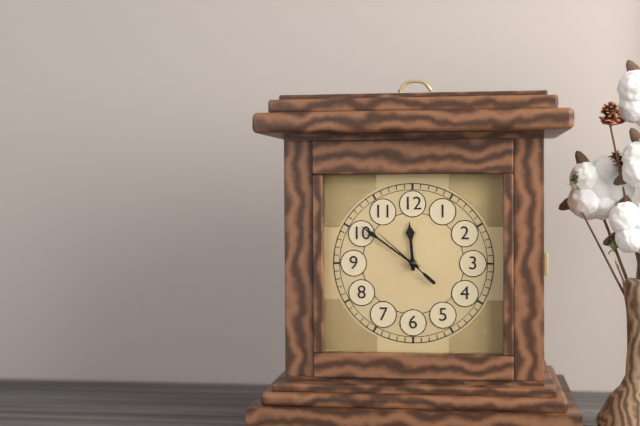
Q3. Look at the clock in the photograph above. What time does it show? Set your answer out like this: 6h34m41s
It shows 11h51m52s
